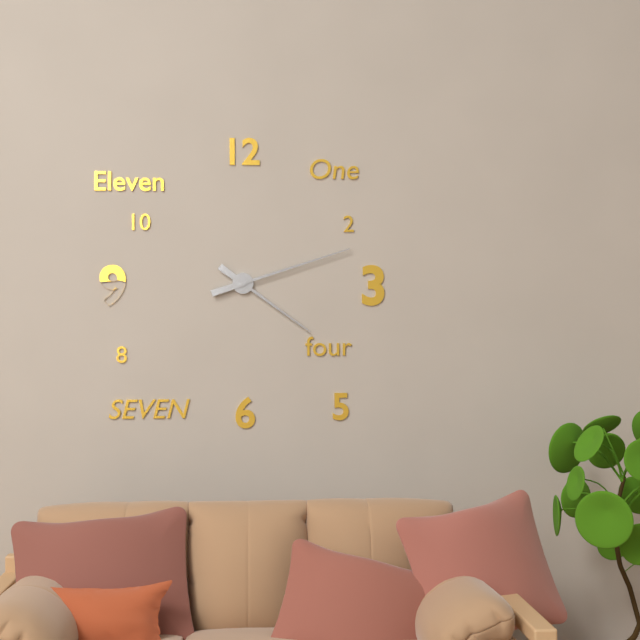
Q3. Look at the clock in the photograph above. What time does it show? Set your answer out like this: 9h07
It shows 4h12
